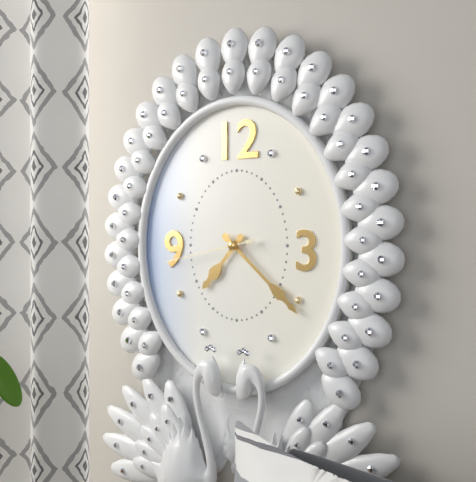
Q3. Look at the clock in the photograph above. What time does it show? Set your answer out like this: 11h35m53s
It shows 7h22m43s
